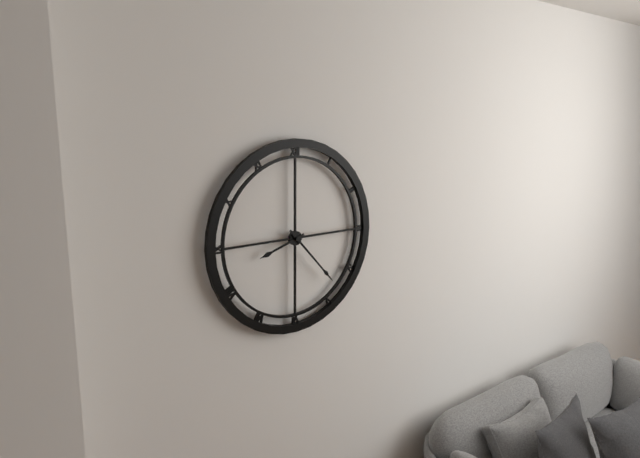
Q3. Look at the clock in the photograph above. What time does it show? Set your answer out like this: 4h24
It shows 8h23
